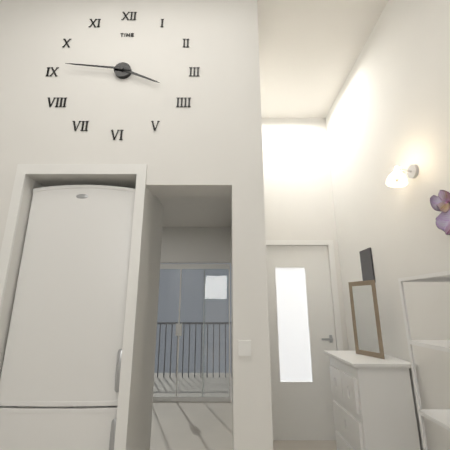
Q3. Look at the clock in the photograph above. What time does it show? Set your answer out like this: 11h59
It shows 3h46
